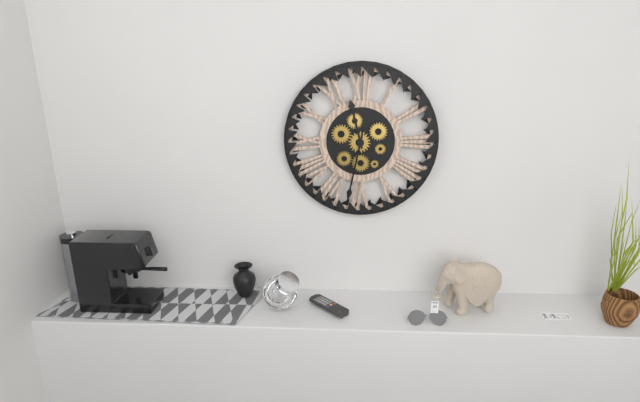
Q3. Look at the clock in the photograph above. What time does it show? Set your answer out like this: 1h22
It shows 11h32
